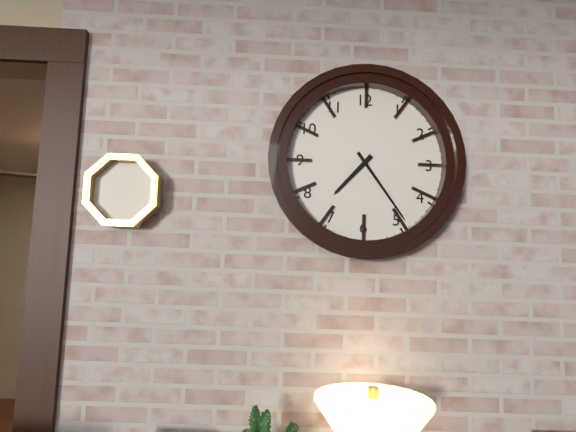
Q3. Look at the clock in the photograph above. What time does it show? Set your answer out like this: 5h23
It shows 7h24
